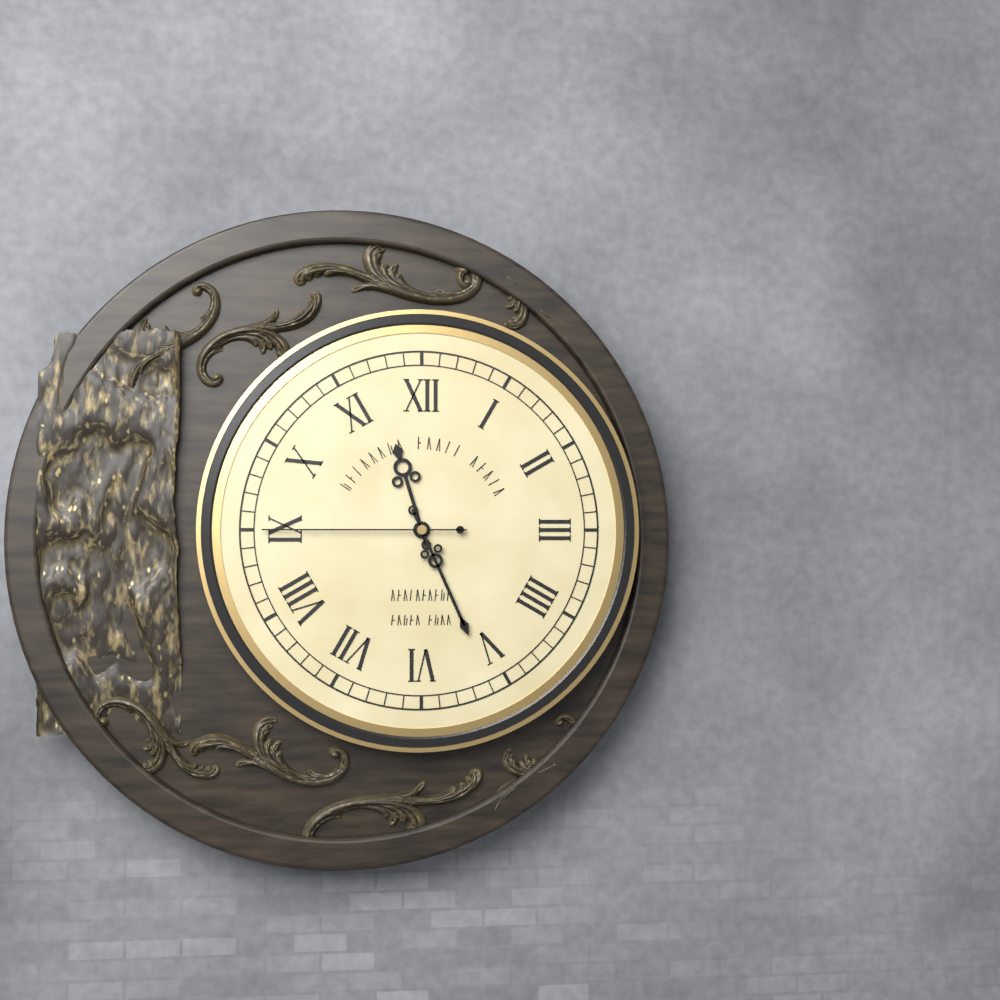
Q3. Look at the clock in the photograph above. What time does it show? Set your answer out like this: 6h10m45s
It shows 11h26m45s
